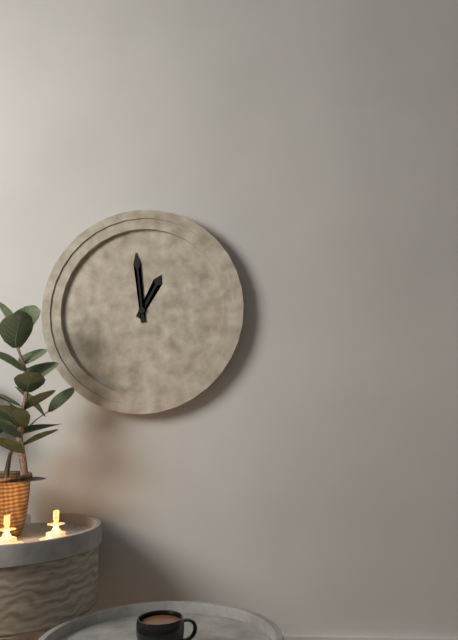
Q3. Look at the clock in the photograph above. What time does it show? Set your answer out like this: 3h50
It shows 12h59
